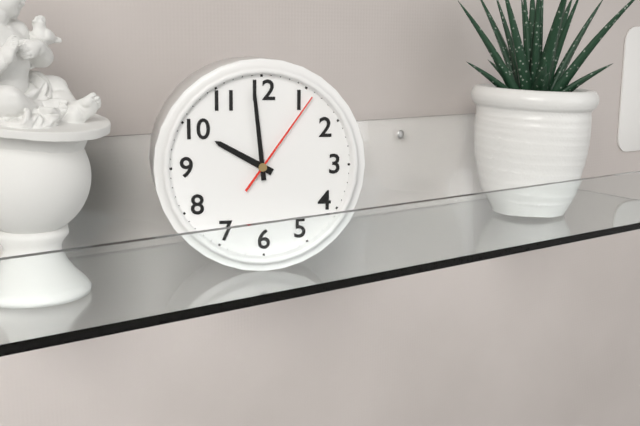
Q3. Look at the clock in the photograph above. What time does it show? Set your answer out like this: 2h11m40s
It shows 9h59m06s
